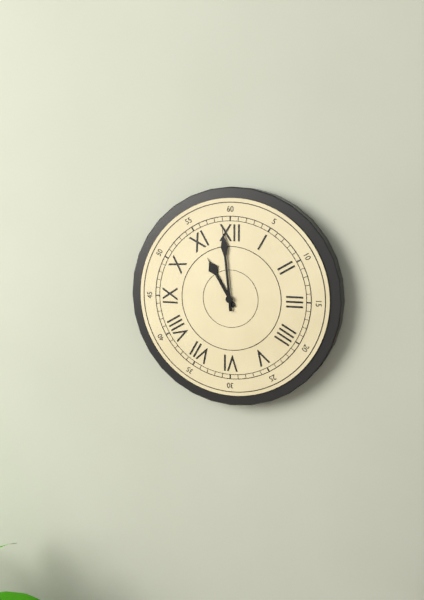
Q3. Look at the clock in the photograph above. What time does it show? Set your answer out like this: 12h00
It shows 10h59
